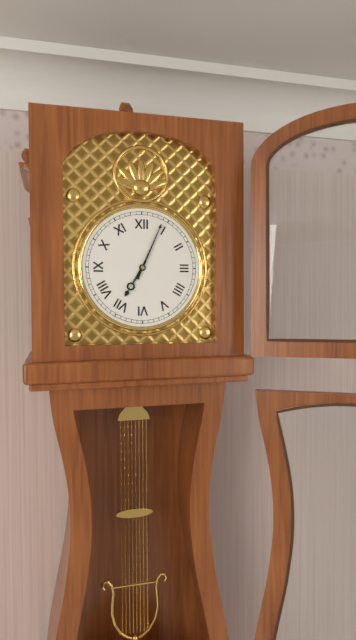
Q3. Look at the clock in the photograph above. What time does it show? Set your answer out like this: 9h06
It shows 7h04
